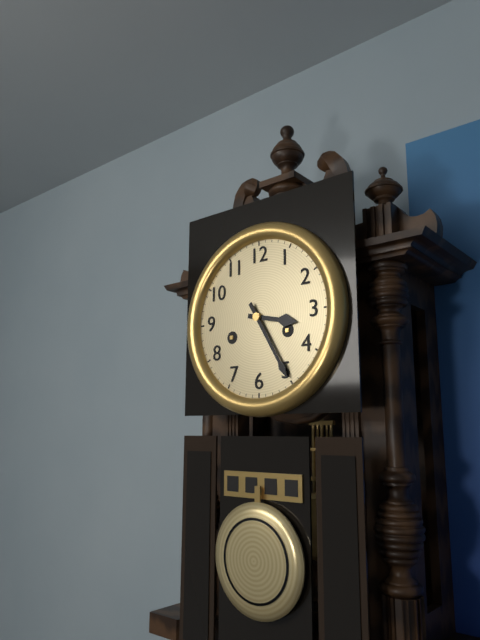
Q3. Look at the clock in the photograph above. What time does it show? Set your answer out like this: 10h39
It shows 3h25
